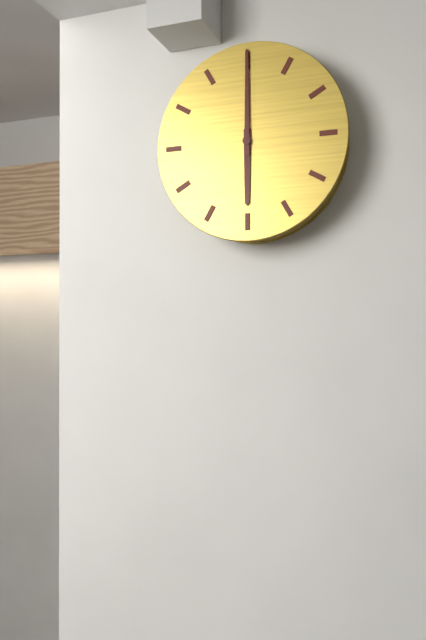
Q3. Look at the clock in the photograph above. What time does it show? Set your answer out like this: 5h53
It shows 6h00
